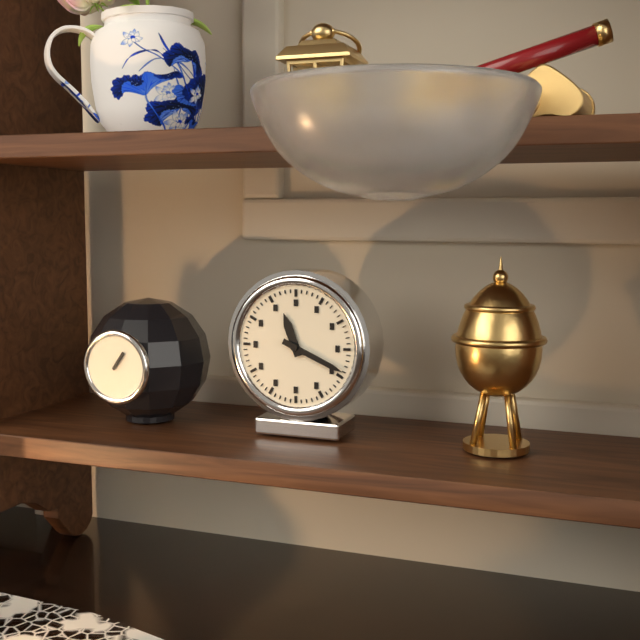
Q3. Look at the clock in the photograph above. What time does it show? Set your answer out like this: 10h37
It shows 11h19
